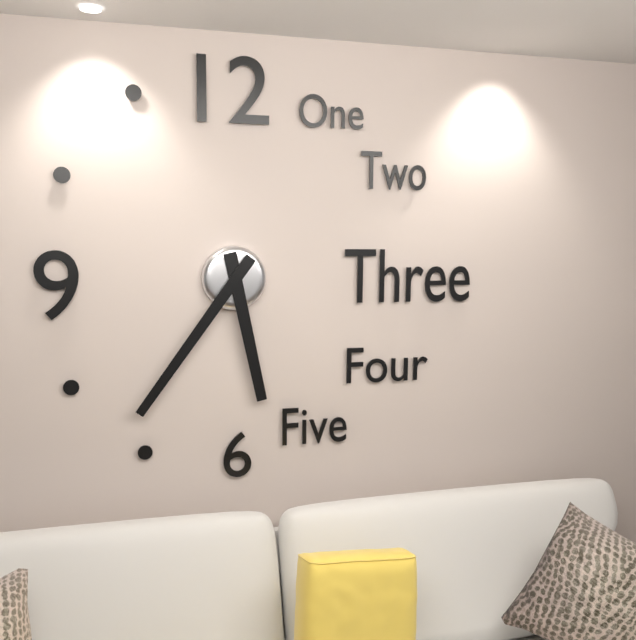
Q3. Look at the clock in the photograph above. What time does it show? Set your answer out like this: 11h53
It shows 5h36
